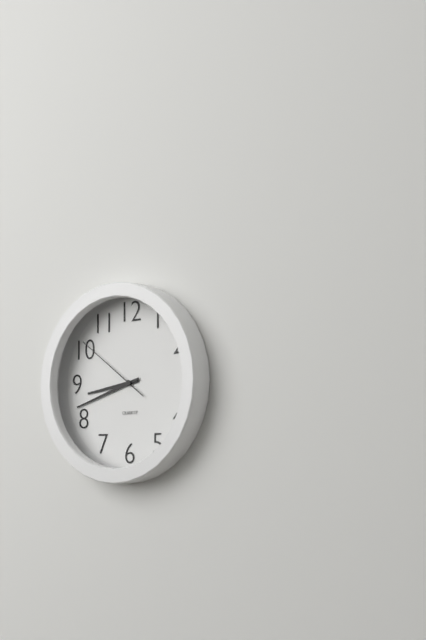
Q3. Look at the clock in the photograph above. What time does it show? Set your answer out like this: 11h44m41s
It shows 8h42m51s
